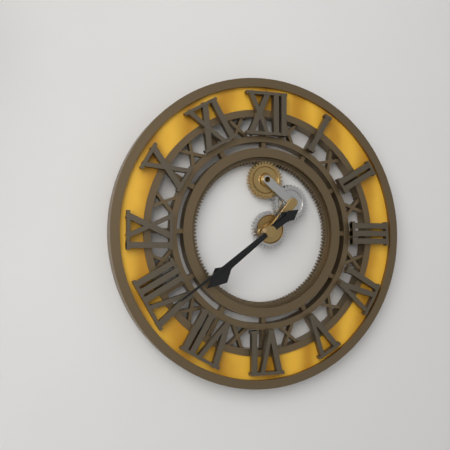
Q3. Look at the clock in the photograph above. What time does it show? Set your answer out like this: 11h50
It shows 7h39
